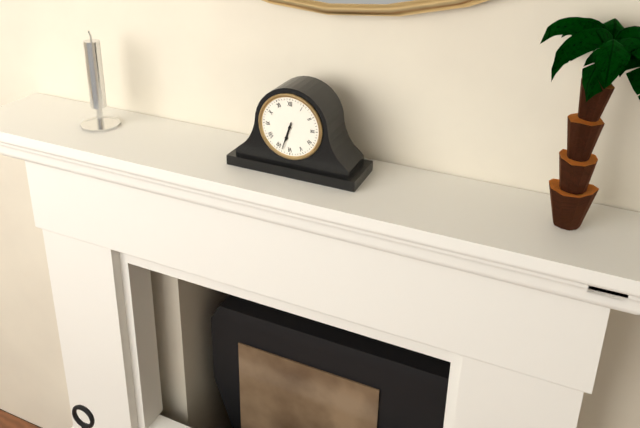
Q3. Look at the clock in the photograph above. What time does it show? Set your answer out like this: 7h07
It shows 6h33
